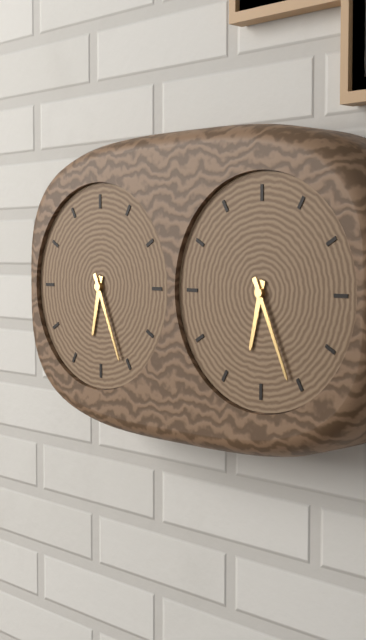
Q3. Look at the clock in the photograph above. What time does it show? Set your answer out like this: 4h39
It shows 6h26
